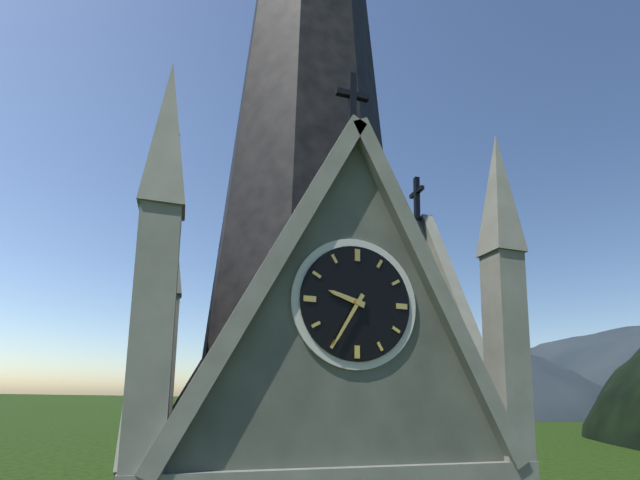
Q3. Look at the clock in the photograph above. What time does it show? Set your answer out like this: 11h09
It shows 9h35
